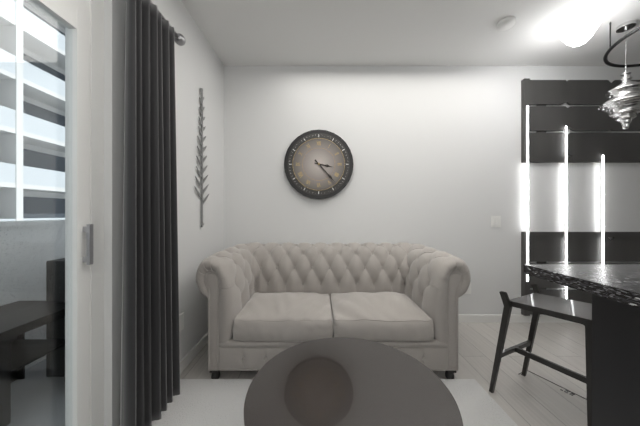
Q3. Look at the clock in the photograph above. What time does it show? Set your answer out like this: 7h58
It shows 3h23
